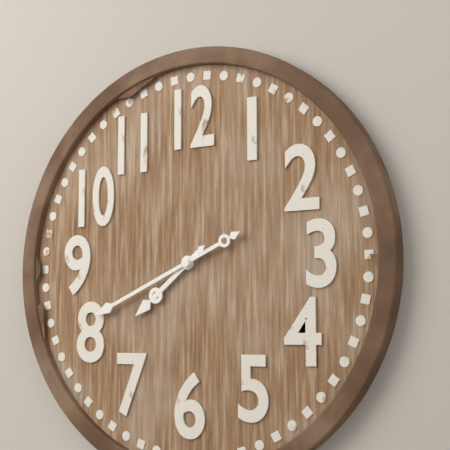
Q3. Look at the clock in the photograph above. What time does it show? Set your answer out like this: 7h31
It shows 7h41
